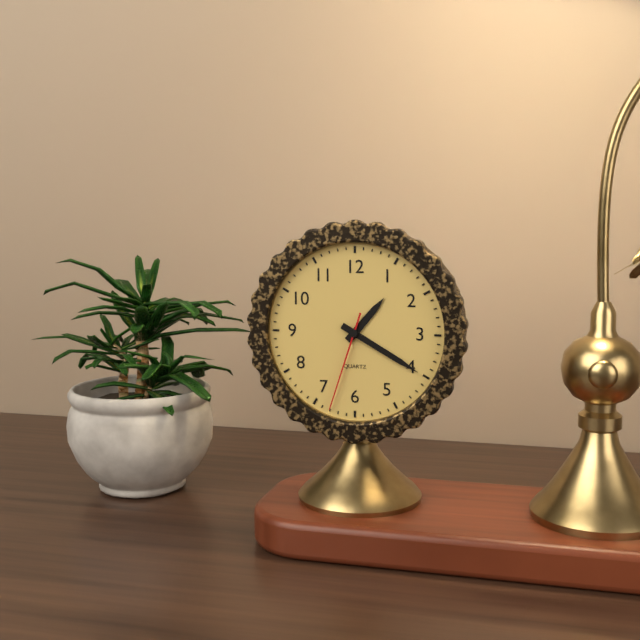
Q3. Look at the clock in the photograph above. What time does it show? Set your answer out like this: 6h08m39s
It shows 1h20m33s
